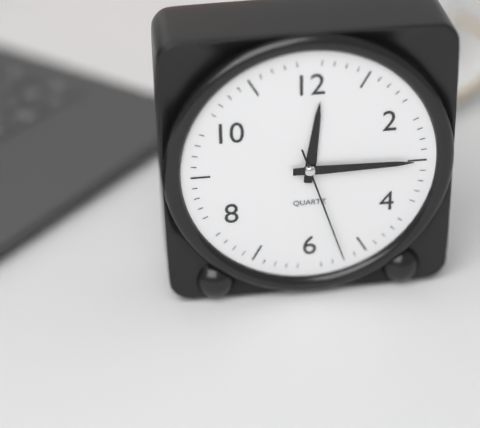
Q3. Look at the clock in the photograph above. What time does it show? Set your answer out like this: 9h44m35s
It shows 12h15m27s
